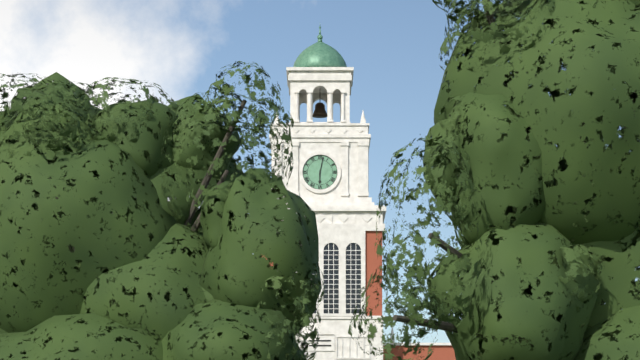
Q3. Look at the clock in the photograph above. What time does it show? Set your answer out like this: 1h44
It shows 6h02
